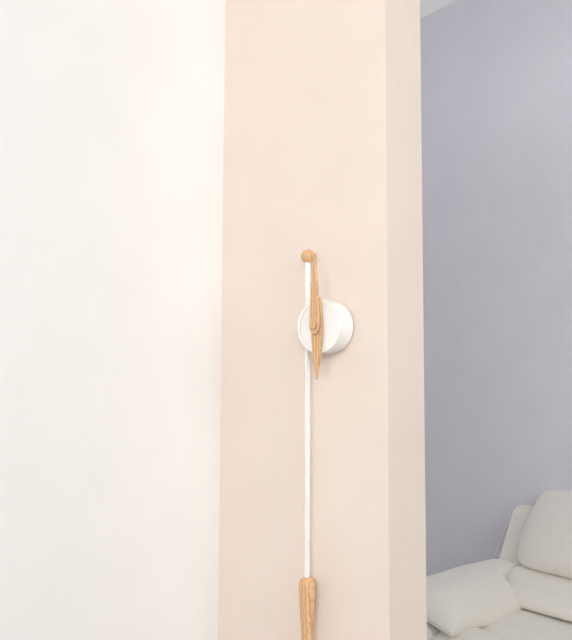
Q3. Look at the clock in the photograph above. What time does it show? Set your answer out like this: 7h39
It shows 6h00
